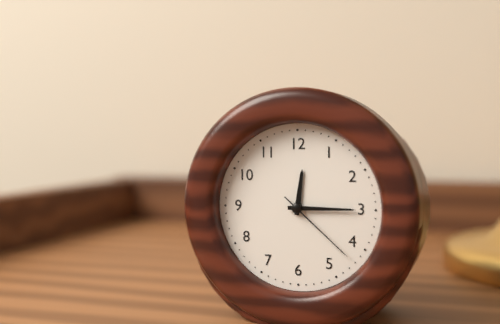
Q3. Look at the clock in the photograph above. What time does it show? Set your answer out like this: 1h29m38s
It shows 12h15m22s
